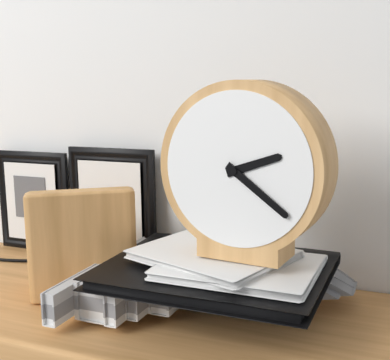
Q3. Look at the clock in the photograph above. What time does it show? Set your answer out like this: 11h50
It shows 2h21
